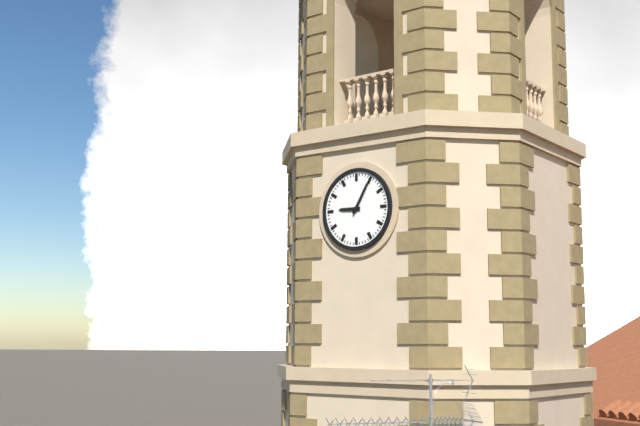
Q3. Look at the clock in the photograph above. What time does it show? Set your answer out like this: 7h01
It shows 9h05
